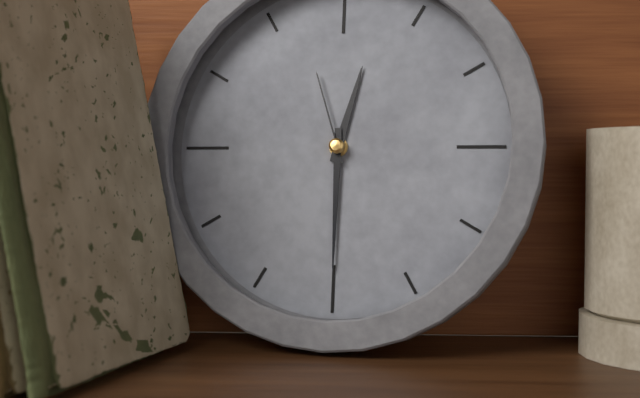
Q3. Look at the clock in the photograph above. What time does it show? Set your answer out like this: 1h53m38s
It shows 12h30m57s
